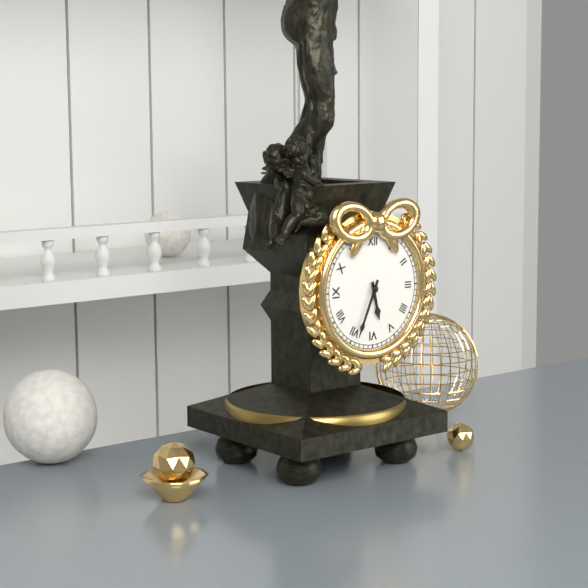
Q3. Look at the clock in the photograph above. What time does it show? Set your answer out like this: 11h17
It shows 5h34
